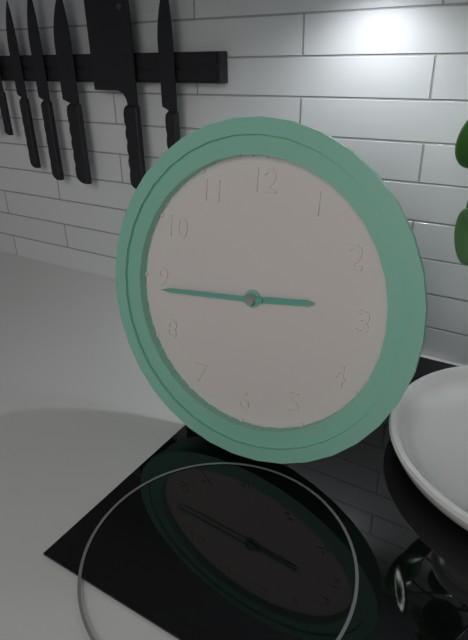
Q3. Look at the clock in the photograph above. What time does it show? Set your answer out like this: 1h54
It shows 2h44
